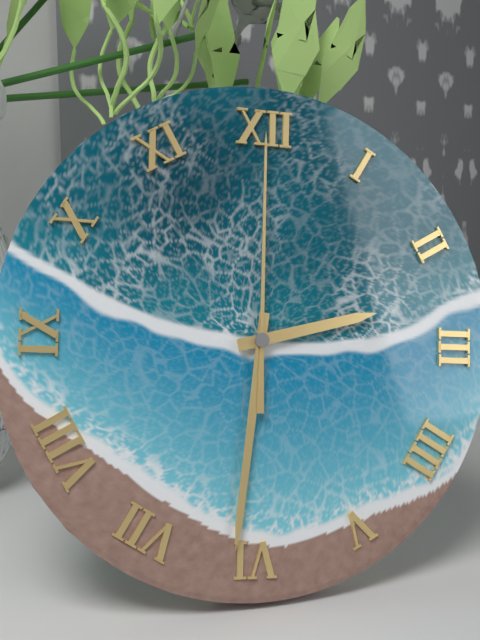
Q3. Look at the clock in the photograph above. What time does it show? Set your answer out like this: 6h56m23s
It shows 2h31m00s
